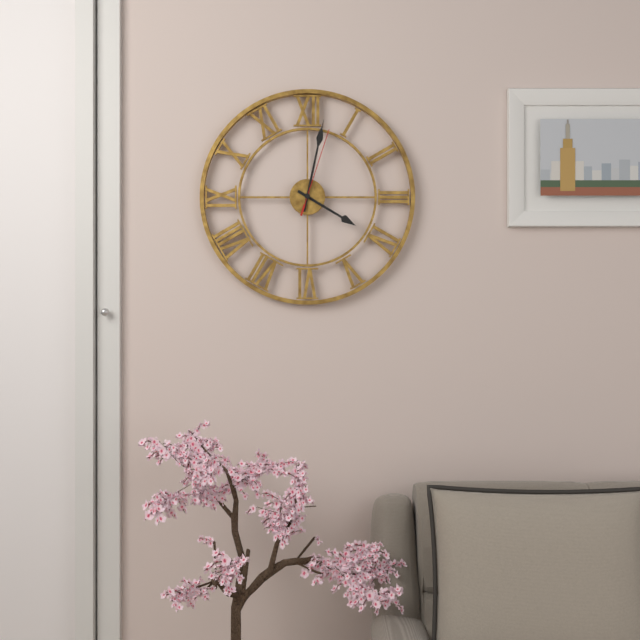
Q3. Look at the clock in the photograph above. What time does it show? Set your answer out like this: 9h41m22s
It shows 4h02m03s
